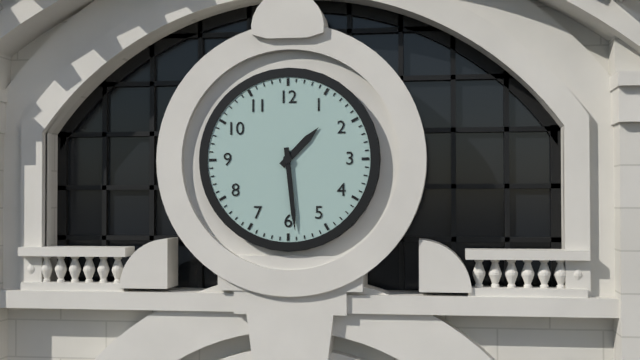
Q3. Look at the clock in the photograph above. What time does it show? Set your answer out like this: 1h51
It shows 1h29
